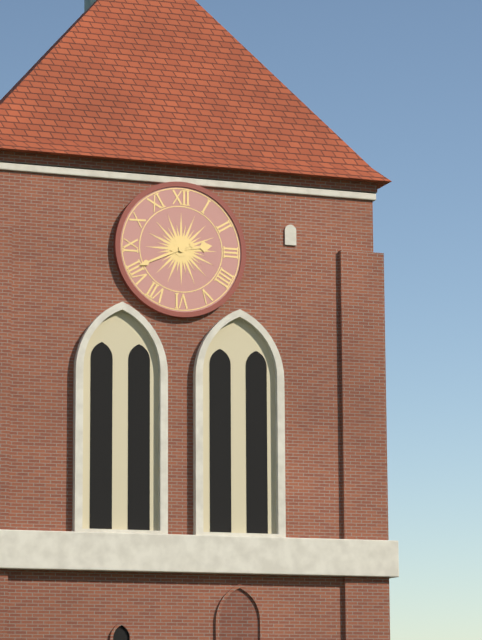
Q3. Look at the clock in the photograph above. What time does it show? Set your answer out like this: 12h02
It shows 2h41
